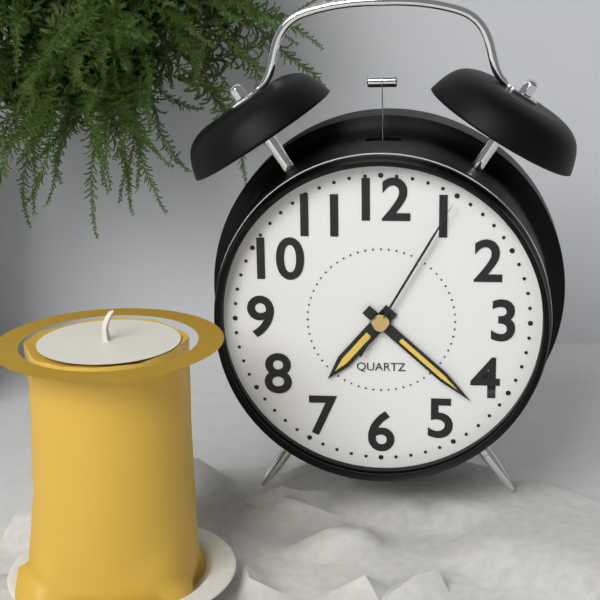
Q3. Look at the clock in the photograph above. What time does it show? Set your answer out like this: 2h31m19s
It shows 7h22m05s
